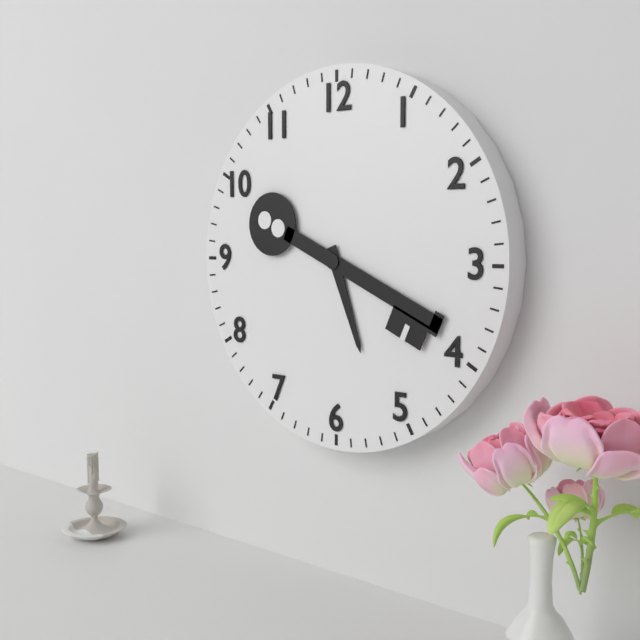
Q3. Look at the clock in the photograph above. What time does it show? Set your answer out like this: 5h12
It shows 5h19
